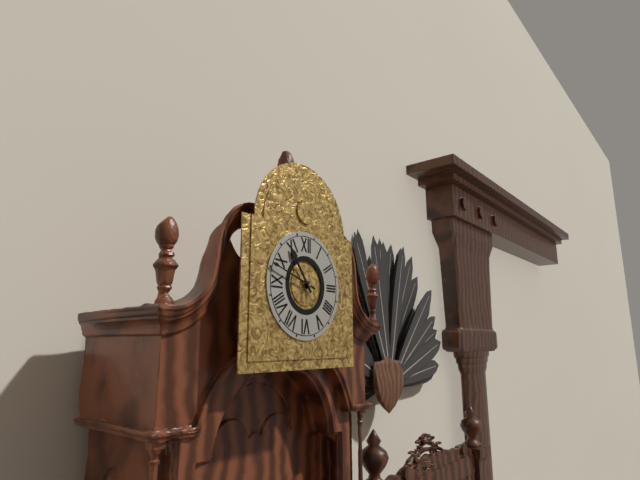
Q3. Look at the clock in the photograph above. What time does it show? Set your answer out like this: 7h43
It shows 10h48
